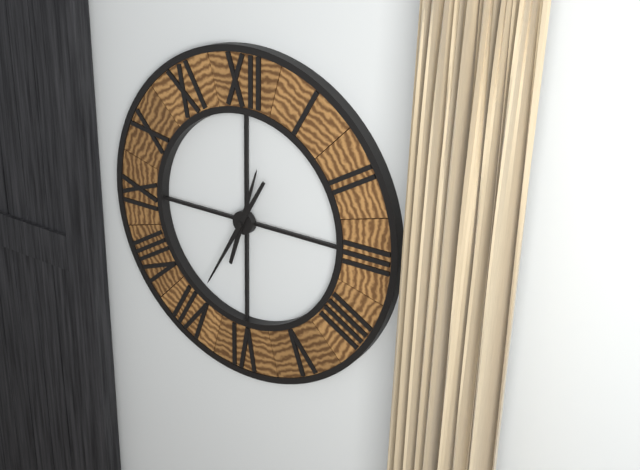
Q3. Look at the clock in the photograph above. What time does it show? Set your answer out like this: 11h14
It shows 12h35
